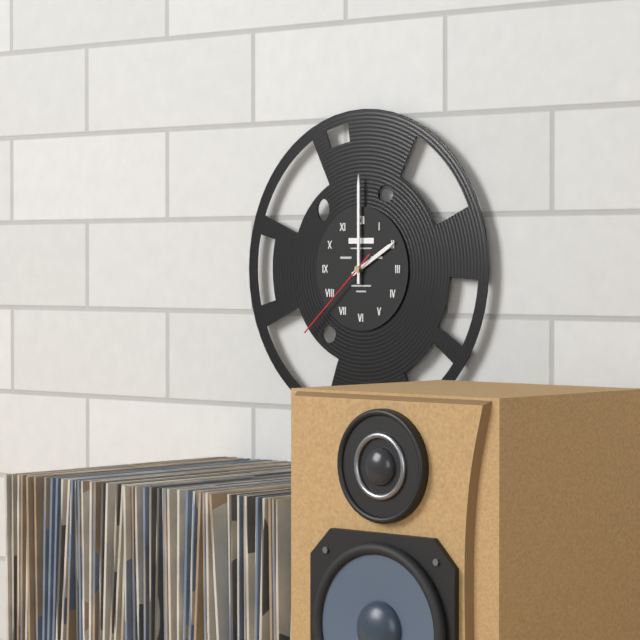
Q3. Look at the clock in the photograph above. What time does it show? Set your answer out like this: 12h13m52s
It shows 2h00m38s
